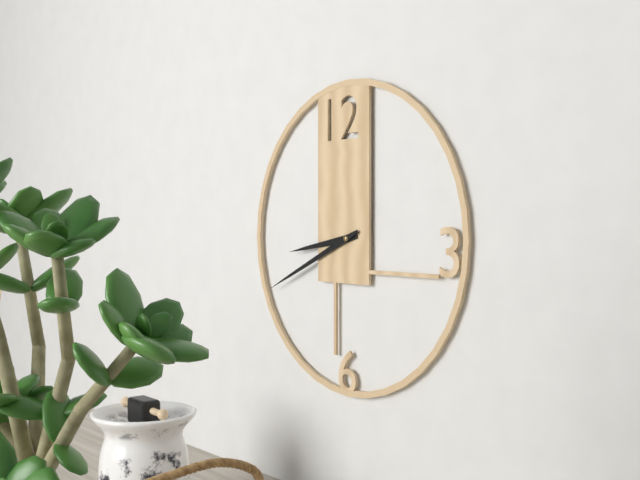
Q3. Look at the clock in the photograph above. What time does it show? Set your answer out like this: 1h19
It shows 8h41
